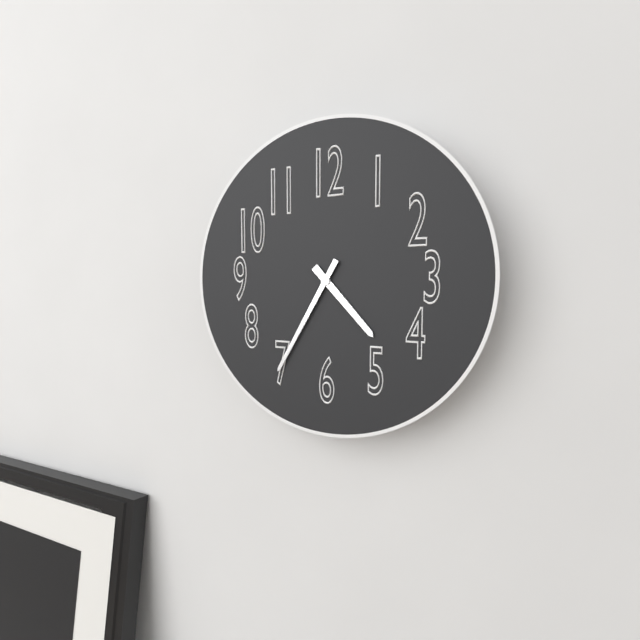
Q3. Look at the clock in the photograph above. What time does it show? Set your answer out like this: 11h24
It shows 4h35
